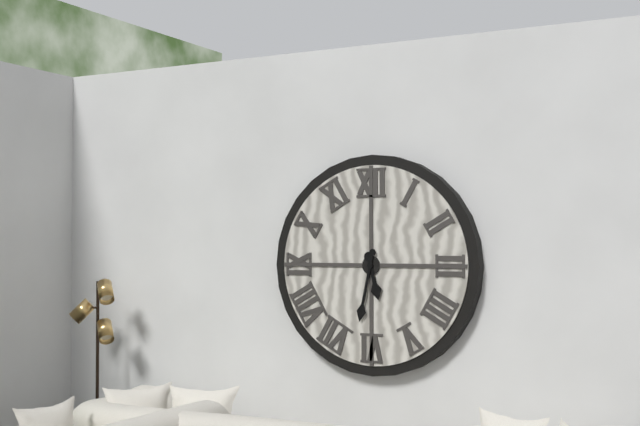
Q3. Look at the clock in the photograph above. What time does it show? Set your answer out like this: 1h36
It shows 5h32
